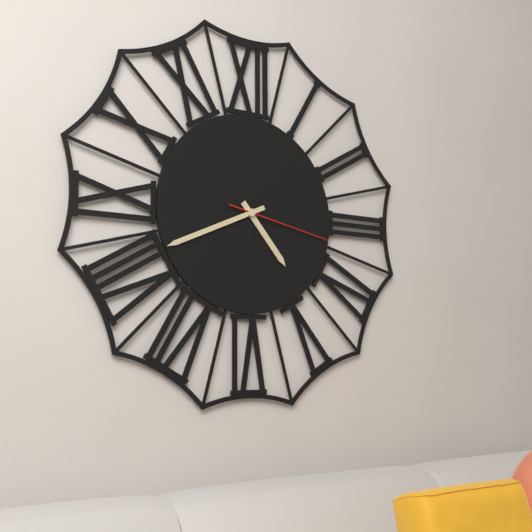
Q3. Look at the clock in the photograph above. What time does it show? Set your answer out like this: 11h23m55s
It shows 4h41m17s
